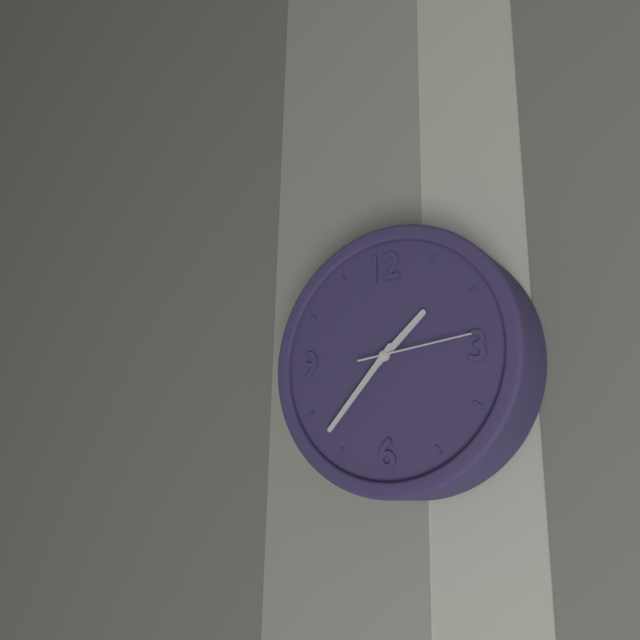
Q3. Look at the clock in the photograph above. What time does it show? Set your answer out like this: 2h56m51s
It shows 1h37m14s
